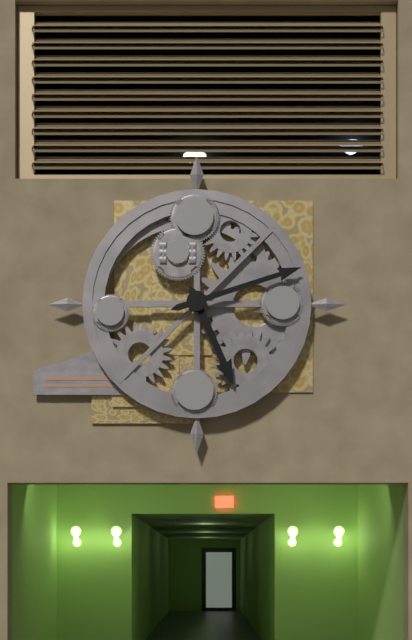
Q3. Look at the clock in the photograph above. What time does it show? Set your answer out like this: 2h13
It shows 5h12
